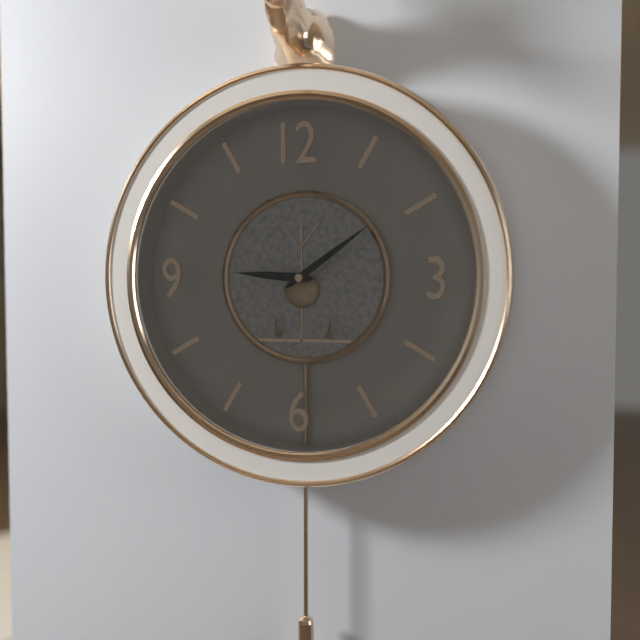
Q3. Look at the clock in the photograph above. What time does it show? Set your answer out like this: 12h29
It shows 9h09
